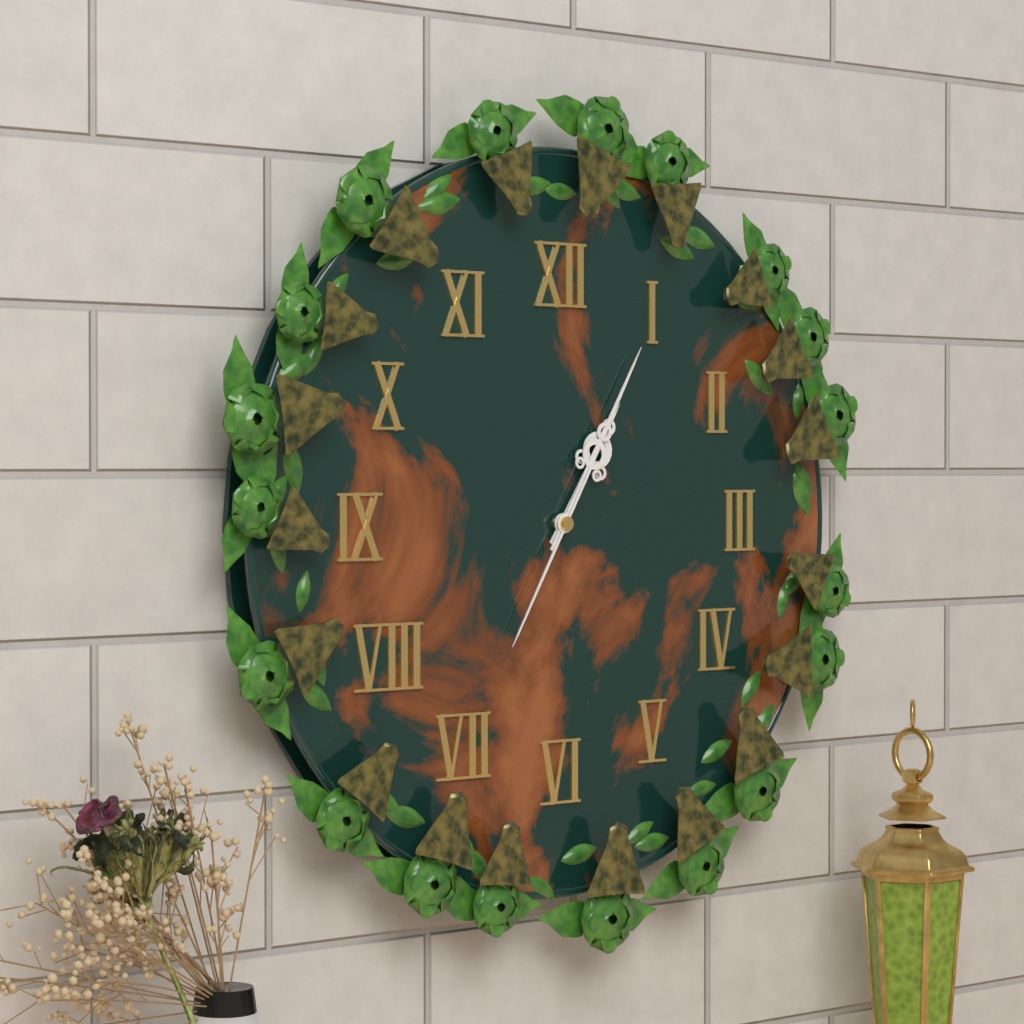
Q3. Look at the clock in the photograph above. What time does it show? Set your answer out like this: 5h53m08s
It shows 1h05m35s
